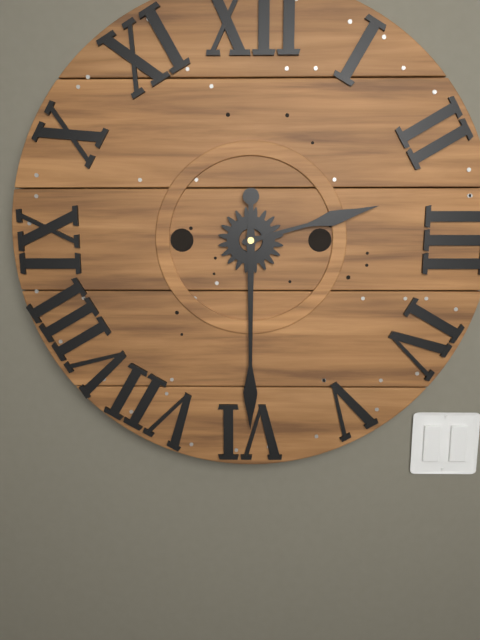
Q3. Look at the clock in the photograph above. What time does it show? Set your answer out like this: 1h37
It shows 2h30
